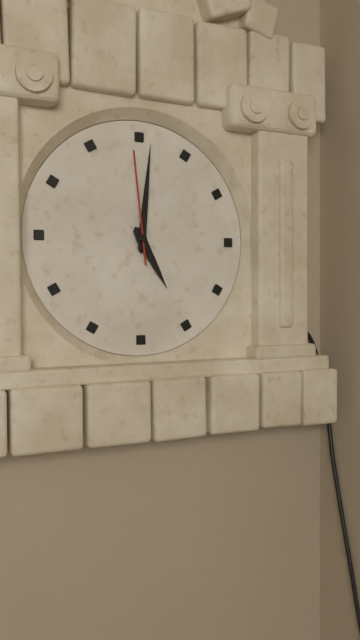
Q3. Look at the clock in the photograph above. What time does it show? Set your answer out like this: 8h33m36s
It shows 5h01m59s
